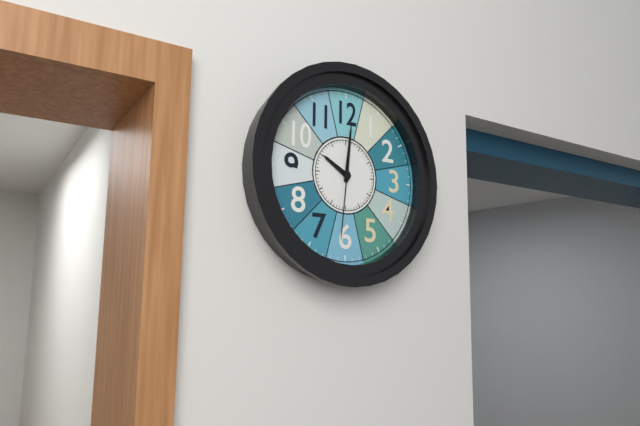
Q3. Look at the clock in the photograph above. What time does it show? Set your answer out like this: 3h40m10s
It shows 10h01m31s
